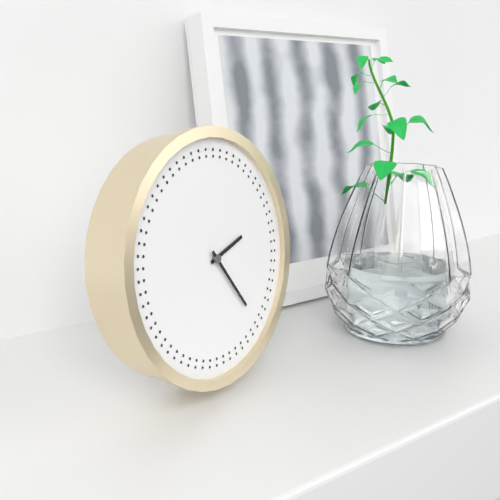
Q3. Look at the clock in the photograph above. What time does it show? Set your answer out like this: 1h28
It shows 2h24
